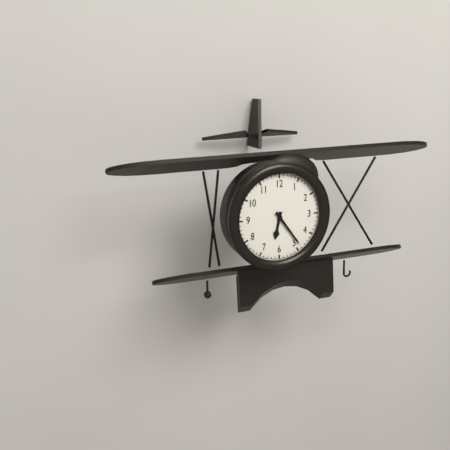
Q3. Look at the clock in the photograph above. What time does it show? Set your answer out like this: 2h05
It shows 6h24
